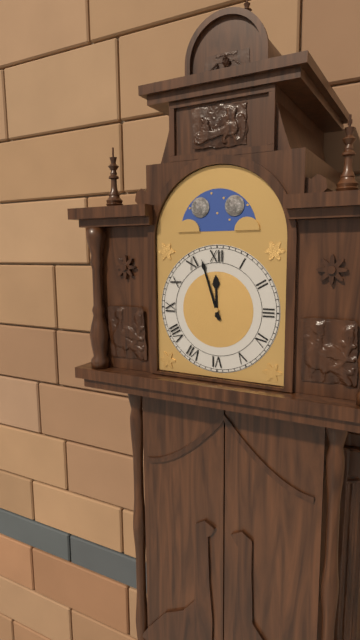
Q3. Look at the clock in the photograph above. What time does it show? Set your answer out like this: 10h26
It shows 11h57
